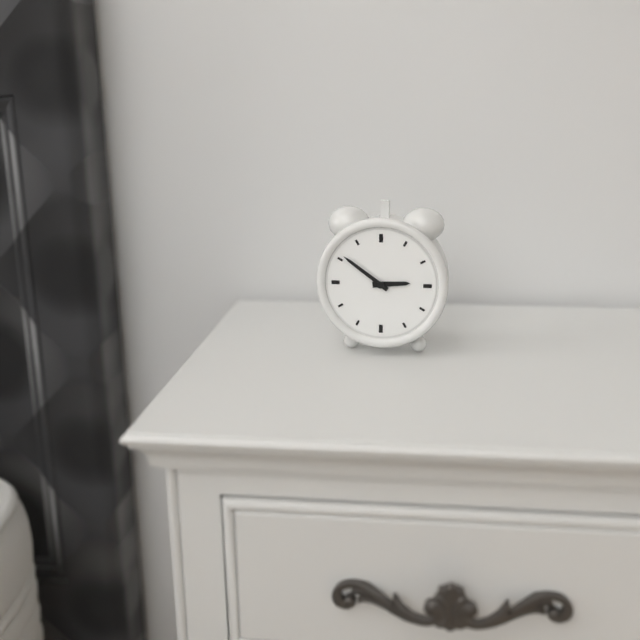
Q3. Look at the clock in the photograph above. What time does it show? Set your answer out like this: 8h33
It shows 2h51
